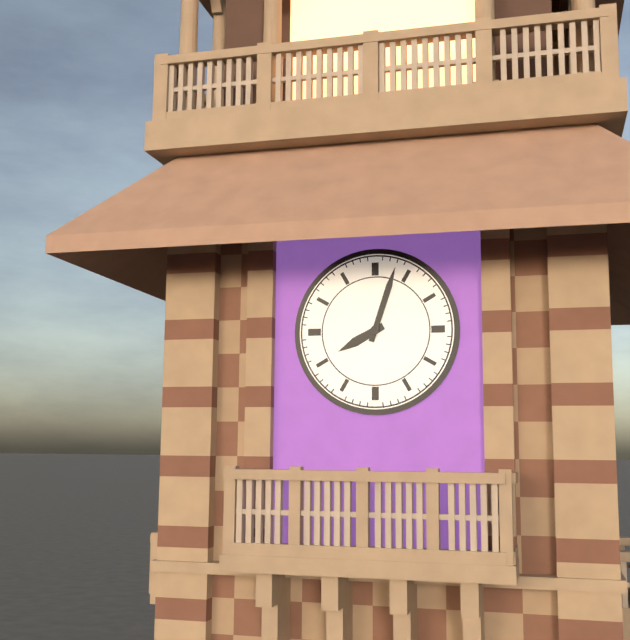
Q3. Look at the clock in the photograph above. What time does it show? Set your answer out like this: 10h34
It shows 8h03
